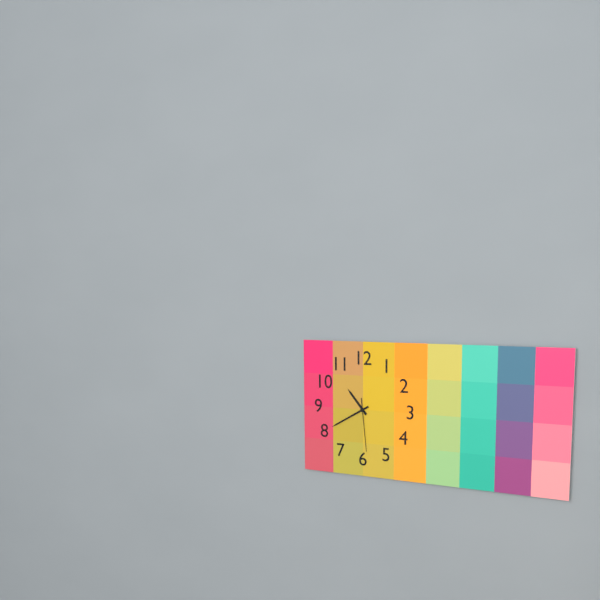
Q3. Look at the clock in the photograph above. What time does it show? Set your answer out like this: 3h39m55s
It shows 10h40m29s
